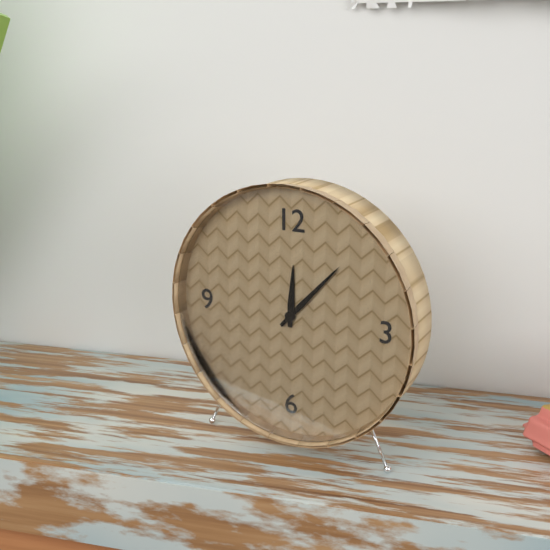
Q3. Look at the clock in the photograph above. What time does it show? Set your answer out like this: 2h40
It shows 12h07
